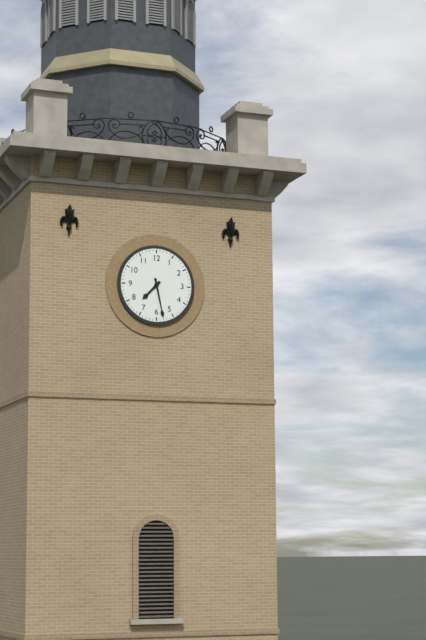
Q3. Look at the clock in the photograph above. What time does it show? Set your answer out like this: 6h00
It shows 7h28
